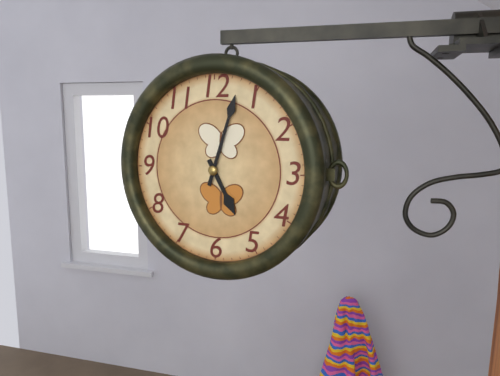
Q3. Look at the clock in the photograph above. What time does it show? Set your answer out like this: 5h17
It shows 5h03
